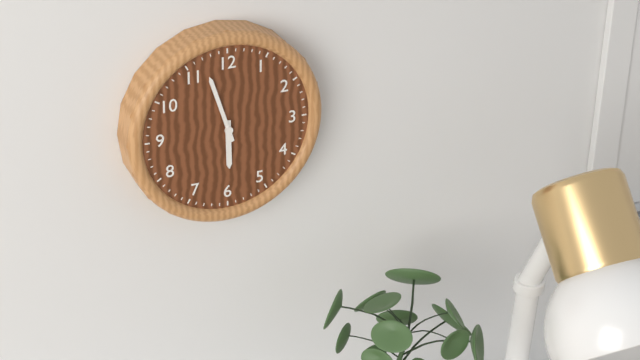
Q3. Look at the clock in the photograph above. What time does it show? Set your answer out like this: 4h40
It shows 5h57
